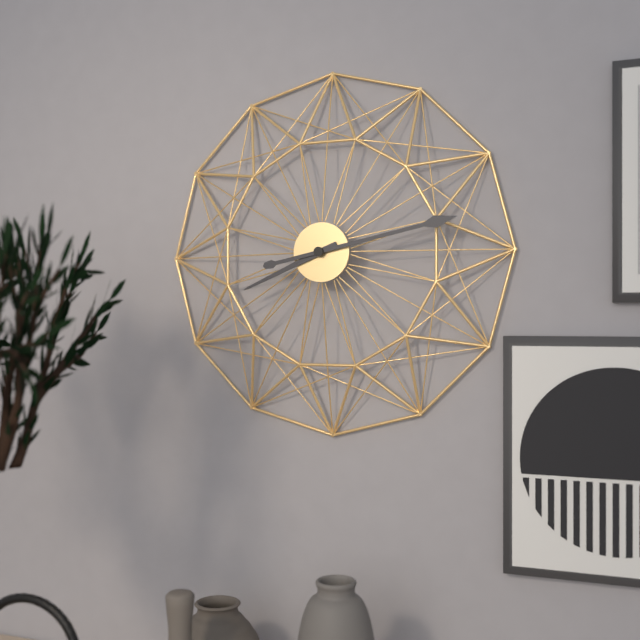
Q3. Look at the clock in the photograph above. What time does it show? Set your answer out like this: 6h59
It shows 8h13
